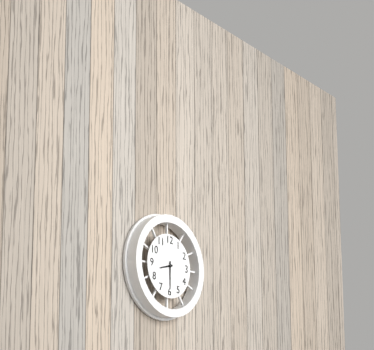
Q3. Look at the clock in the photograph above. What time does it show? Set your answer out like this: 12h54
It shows 8h30
